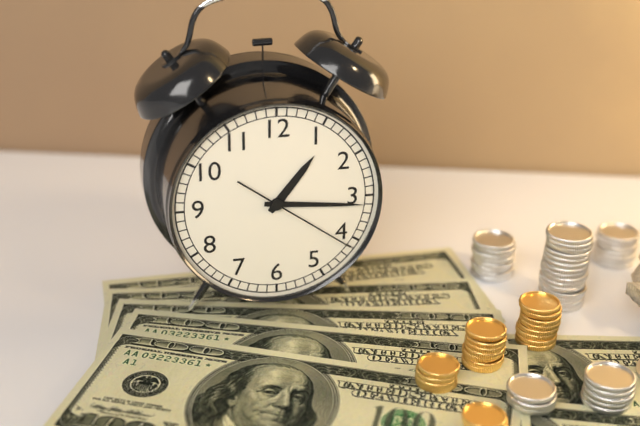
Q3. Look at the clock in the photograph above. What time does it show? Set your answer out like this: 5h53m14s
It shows 1h16m21s
